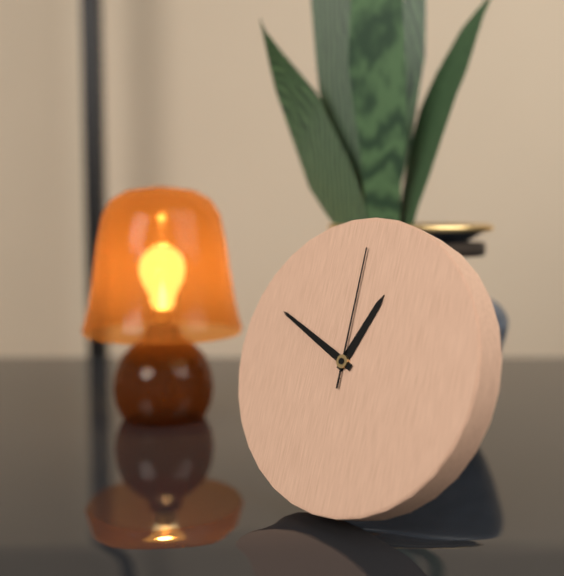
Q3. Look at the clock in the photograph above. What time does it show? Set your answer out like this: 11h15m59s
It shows 12h49m00s
